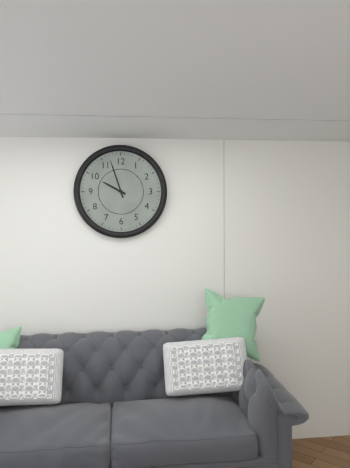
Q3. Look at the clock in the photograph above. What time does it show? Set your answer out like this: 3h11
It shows 9h57
